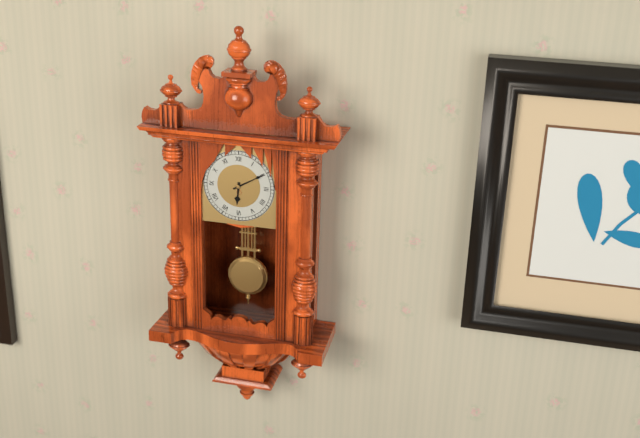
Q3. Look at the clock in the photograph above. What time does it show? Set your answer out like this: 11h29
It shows 6h10
